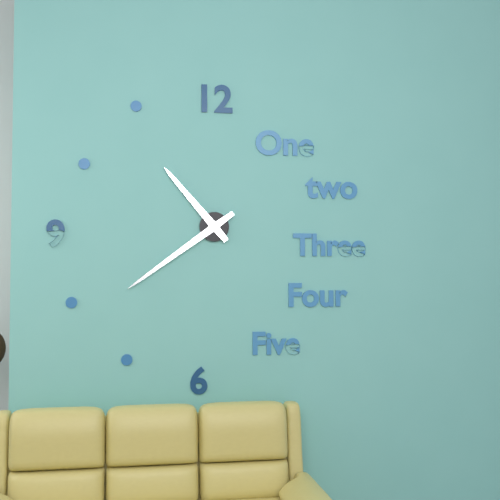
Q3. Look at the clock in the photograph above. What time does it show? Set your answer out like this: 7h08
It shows 10h39
